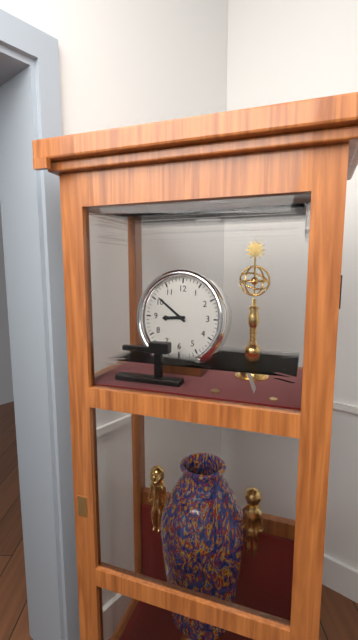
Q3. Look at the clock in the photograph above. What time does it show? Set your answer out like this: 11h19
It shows 8h51
